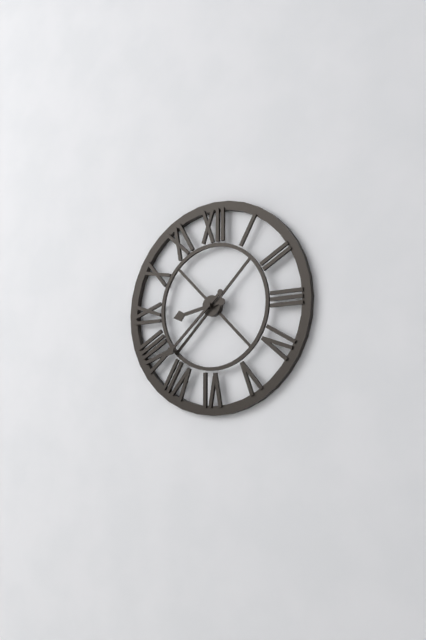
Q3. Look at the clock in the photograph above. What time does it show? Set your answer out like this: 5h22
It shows 8h38
